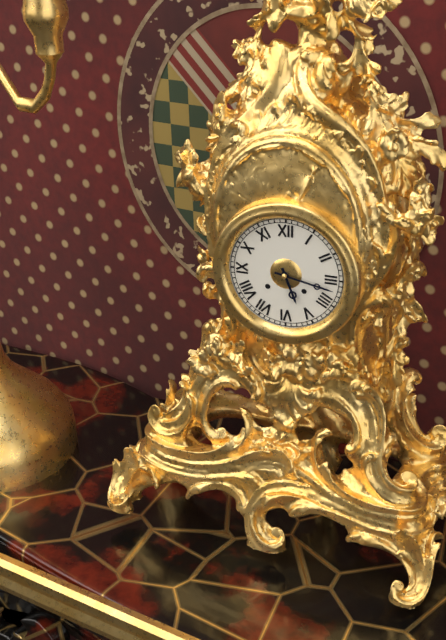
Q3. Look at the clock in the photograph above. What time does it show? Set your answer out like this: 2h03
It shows 5h17
